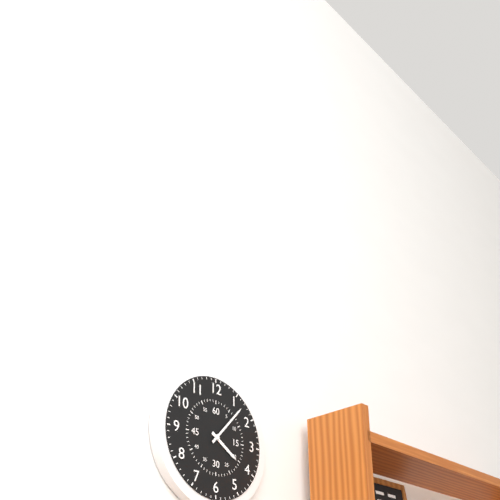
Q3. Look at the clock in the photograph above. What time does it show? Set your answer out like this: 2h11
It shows 4h07
